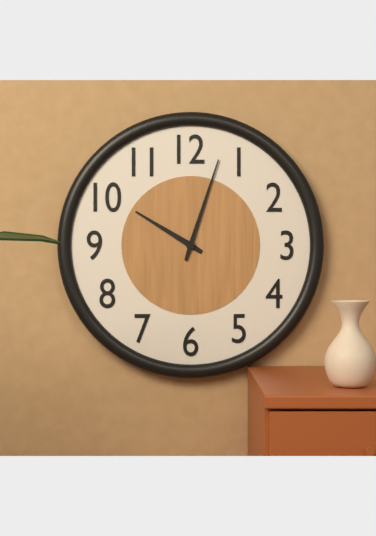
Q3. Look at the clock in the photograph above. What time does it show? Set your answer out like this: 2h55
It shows 10h03
